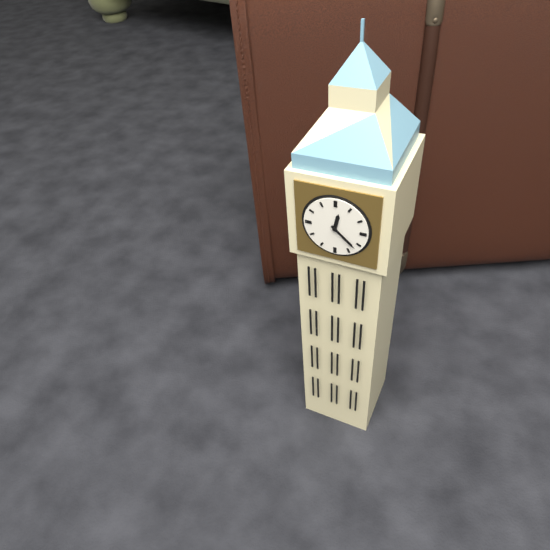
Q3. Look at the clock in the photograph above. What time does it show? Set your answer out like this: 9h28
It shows 12h22
